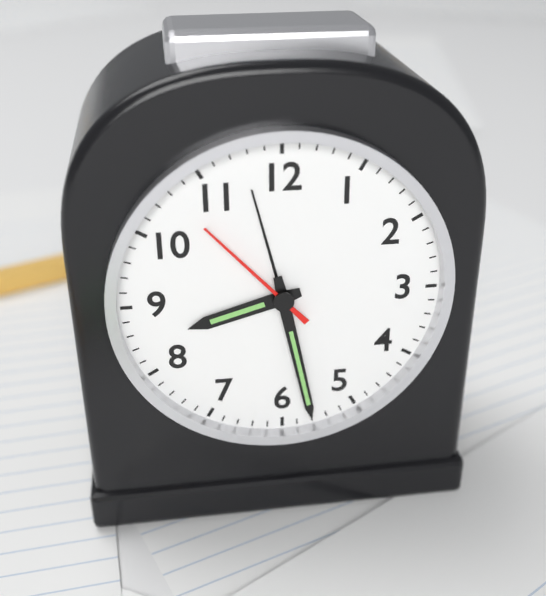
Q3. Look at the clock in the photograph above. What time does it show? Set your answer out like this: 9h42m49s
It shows 8h28m53s
